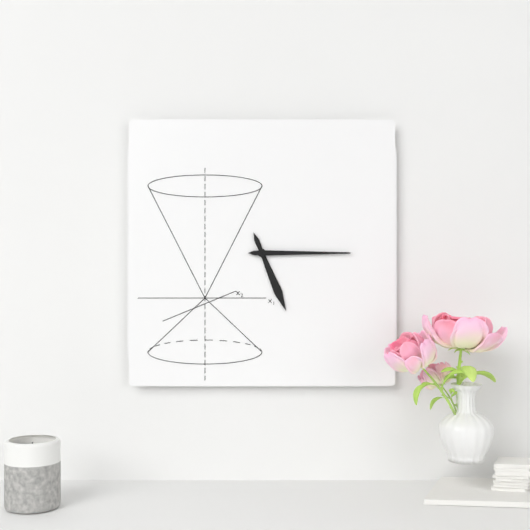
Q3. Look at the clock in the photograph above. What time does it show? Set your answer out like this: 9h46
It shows 5h15
